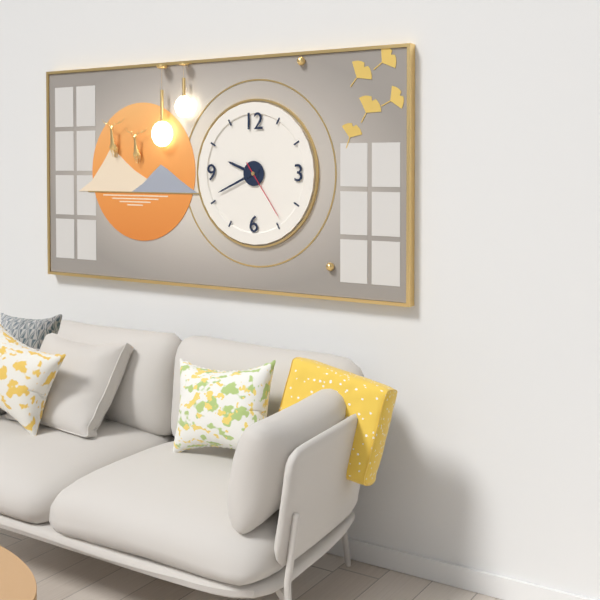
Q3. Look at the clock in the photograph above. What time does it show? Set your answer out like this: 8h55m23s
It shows 9h41m24s
